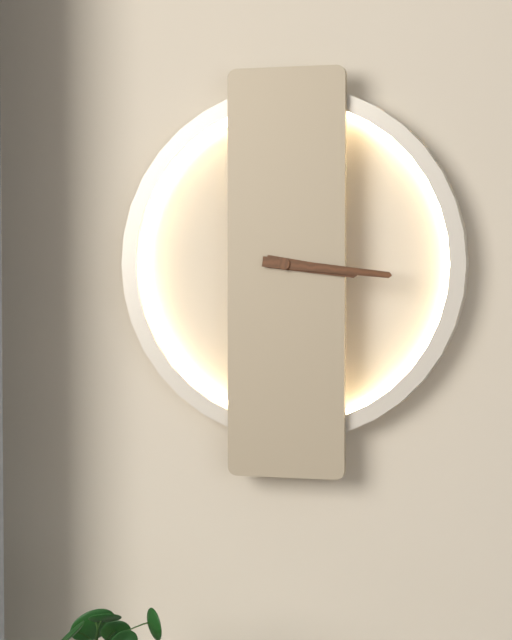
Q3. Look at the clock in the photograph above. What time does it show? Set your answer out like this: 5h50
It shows 3h16
